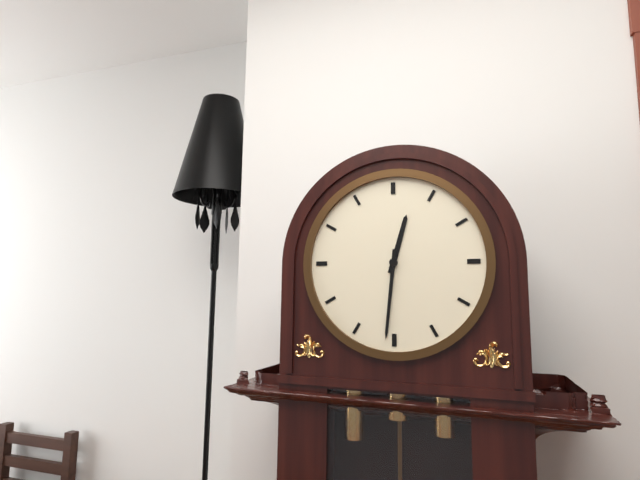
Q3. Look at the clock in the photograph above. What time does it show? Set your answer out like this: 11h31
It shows 12h31
